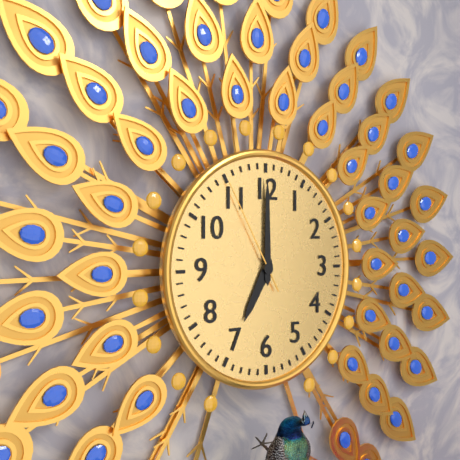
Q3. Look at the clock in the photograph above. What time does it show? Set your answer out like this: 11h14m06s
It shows 7h00m55s
